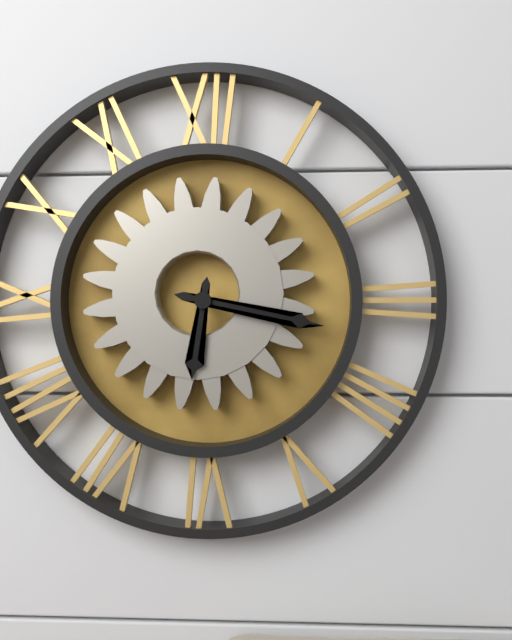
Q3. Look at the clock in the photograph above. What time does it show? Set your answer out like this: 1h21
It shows 6h17
